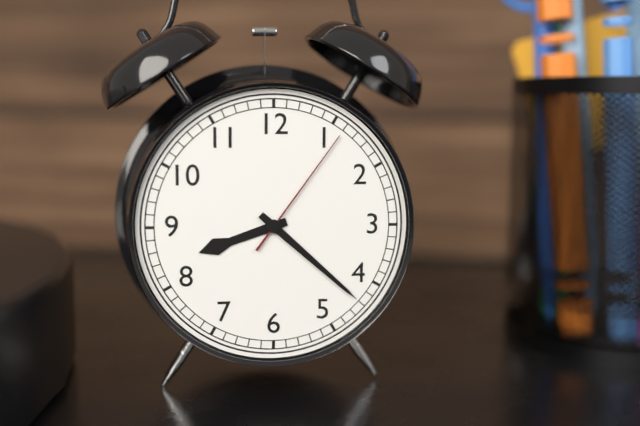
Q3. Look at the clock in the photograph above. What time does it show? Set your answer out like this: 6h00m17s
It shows 8h22m06s
